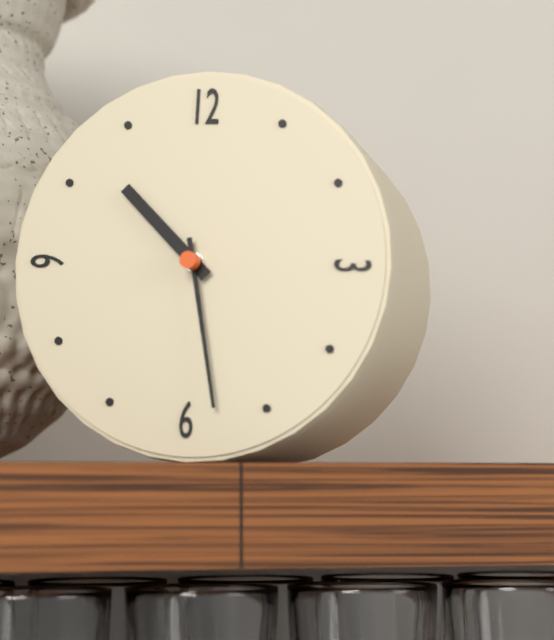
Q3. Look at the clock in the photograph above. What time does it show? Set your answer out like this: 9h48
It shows 10h28
